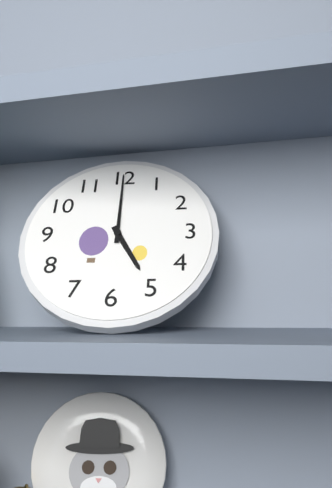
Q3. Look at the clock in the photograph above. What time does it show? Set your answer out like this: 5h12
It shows 5h00
